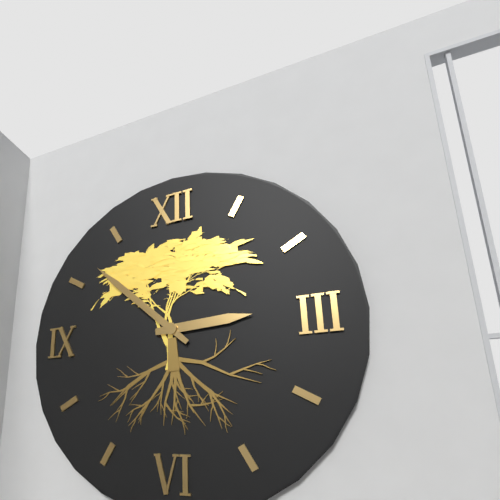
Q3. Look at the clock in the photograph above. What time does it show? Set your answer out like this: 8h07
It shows 2h52
